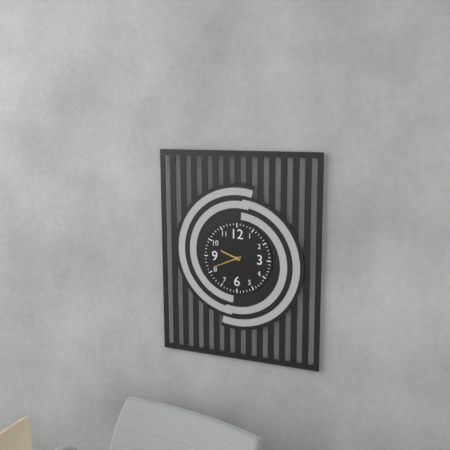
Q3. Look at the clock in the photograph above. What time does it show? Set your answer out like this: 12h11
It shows 9h41
